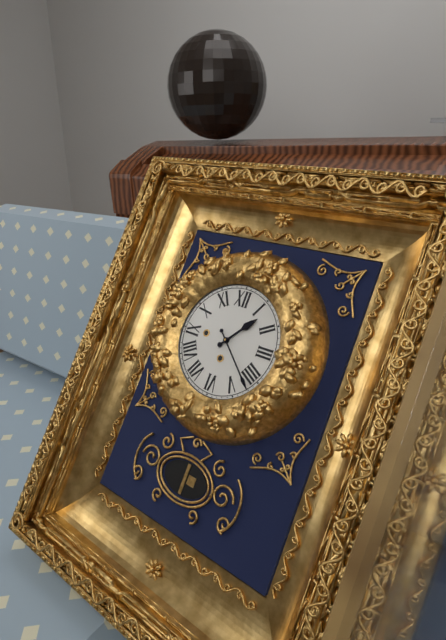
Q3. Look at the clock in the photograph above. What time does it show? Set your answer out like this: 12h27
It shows 1h22
